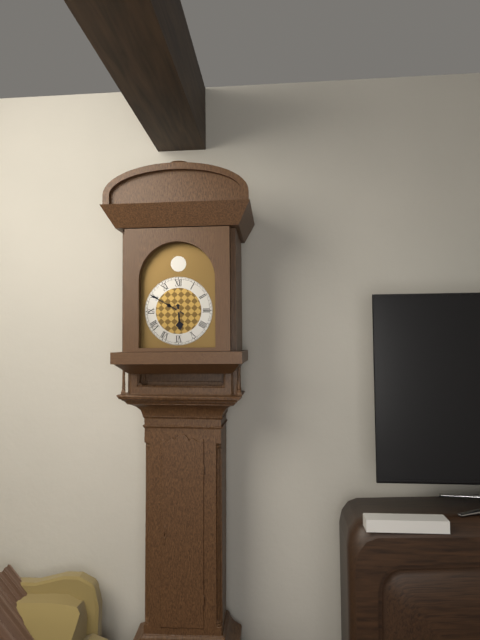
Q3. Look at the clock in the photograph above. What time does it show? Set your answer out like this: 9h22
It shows 5h50
